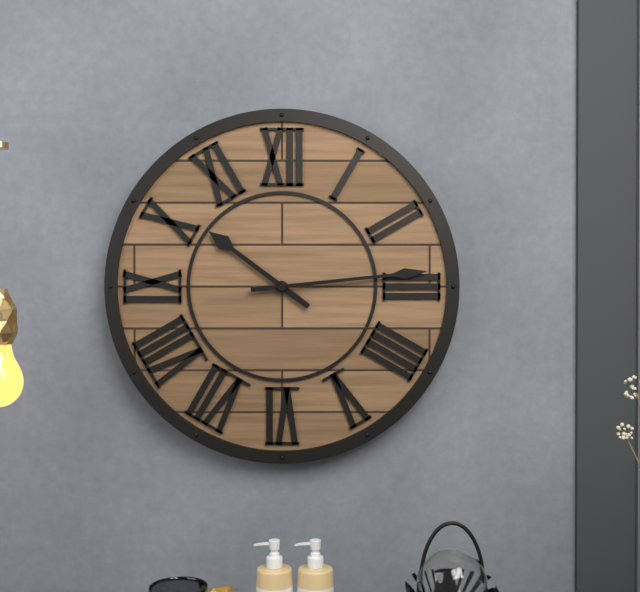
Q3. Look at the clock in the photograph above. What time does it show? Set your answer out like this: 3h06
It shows 10h14
